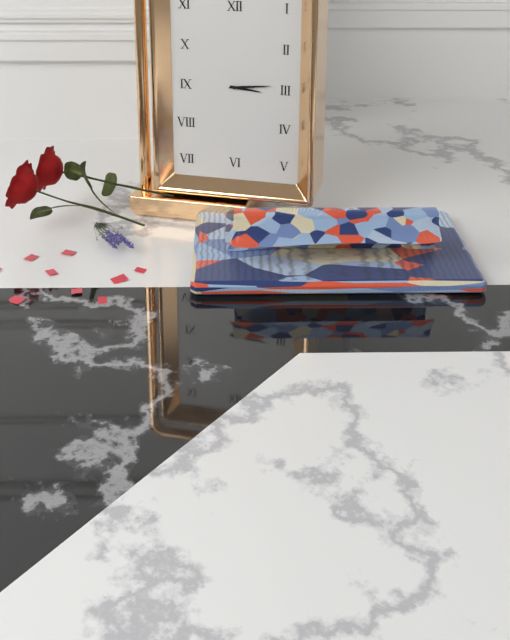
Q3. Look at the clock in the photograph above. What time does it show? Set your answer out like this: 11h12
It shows 3h14
